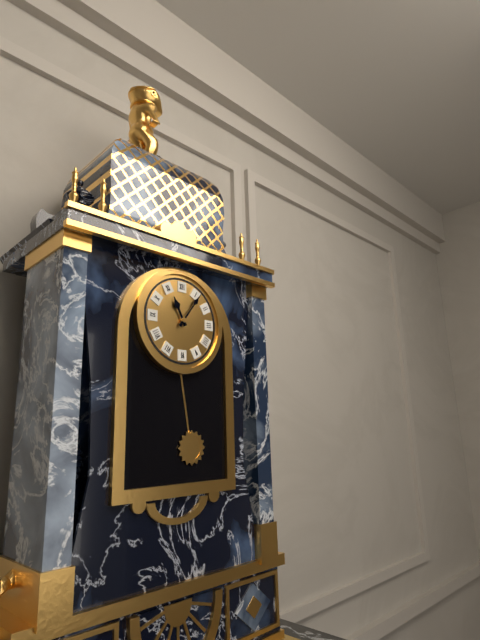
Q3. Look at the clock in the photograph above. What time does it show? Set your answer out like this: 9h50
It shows 11h06
